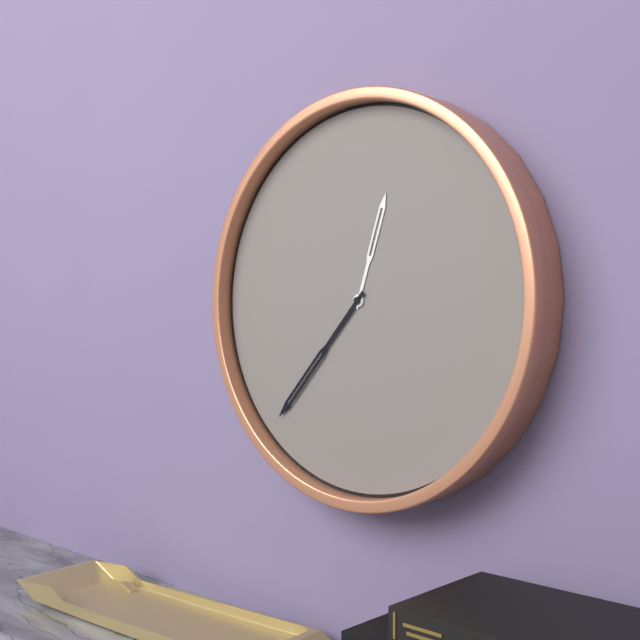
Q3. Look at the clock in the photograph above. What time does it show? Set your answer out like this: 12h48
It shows 12h37
